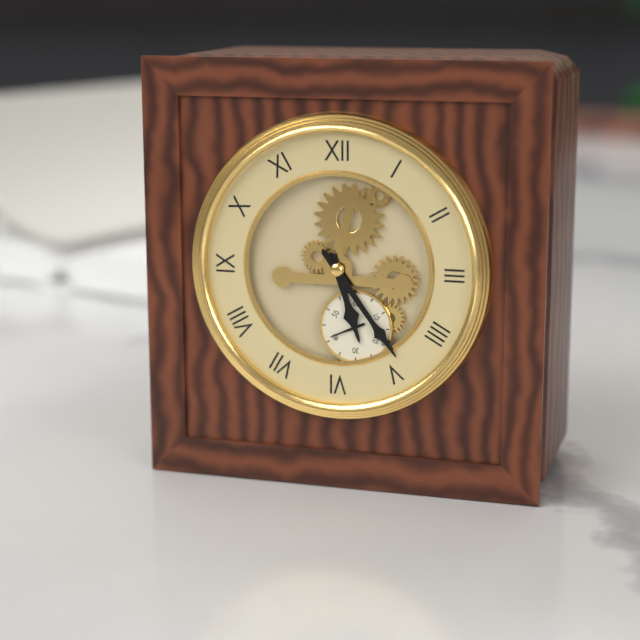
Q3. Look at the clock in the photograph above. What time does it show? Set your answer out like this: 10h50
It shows 5h24
